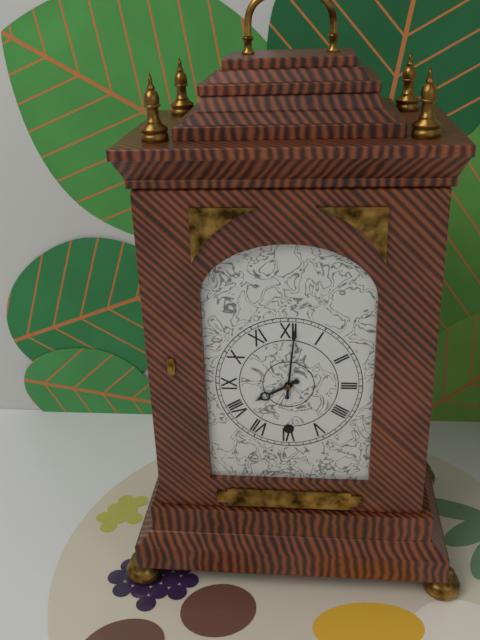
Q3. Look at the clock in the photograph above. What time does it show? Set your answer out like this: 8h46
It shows 8h01
